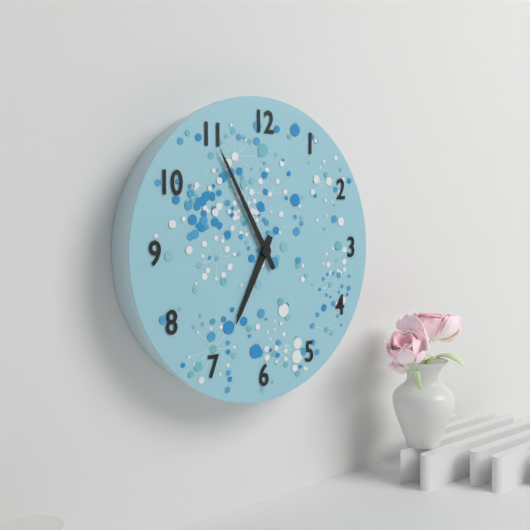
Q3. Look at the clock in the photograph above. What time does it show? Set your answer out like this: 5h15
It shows 6h55
